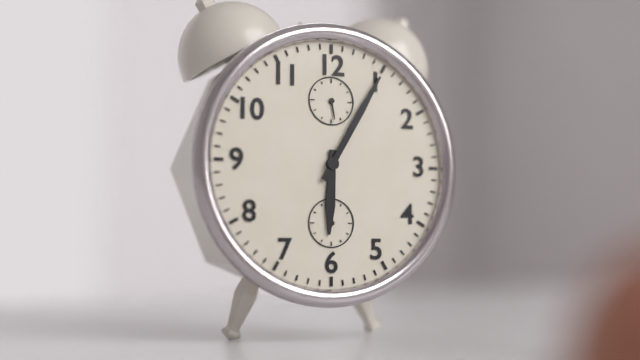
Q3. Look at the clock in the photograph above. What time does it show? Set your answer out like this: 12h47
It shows 6h05
